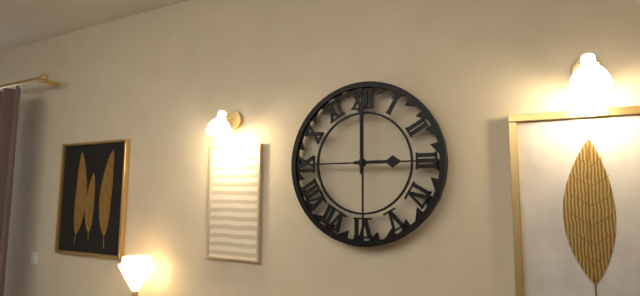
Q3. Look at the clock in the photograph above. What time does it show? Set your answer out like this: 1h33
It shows 3h00
